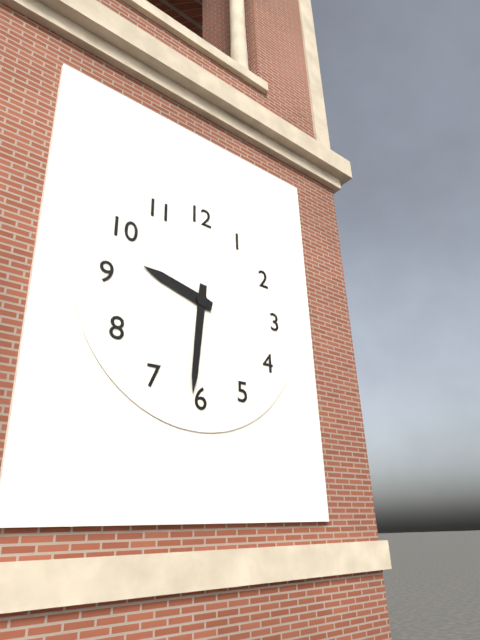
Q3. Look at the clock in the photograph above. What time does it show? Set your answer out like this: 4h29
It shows 9h31
